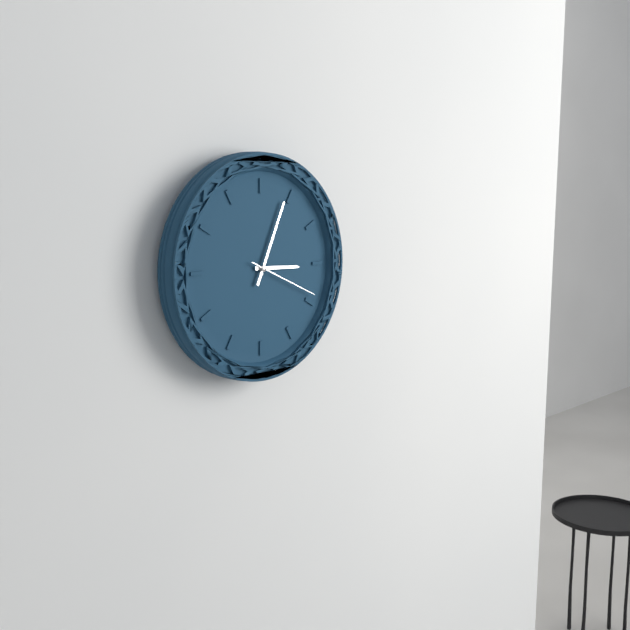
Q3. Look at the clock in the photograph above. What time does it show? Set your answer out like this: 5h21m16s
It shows 3h04m19s
